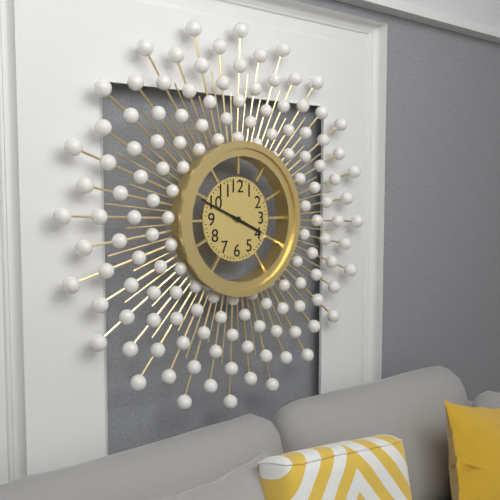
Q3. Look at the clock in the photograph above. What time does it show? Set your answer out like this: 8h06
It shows 3h49
